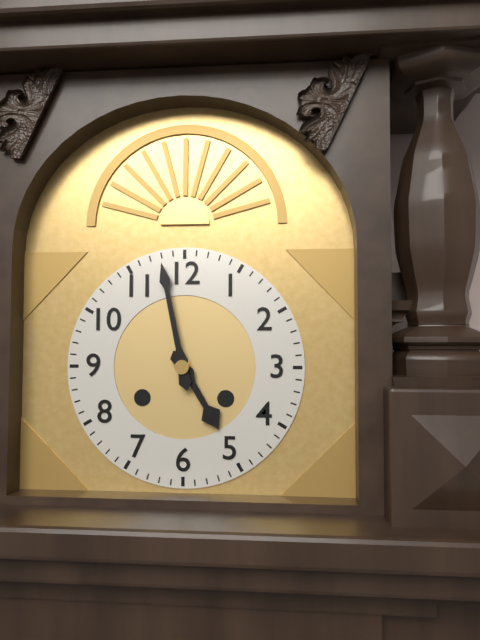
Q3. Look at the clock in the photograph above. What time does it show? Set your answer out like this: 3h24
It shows 4h58
